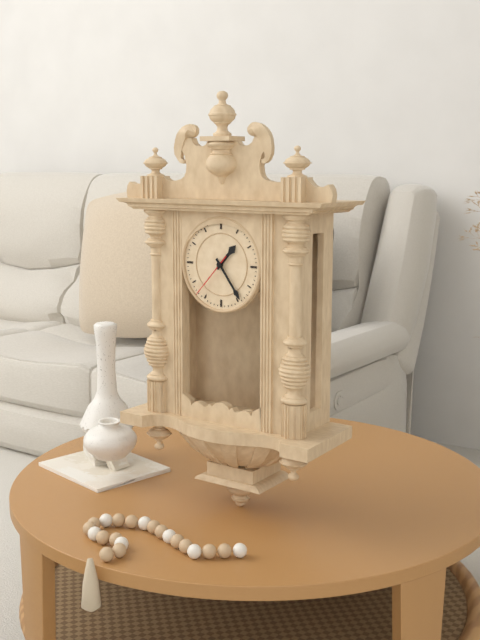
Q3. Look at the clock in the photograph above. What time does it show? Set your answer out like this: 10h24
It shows 1h24
